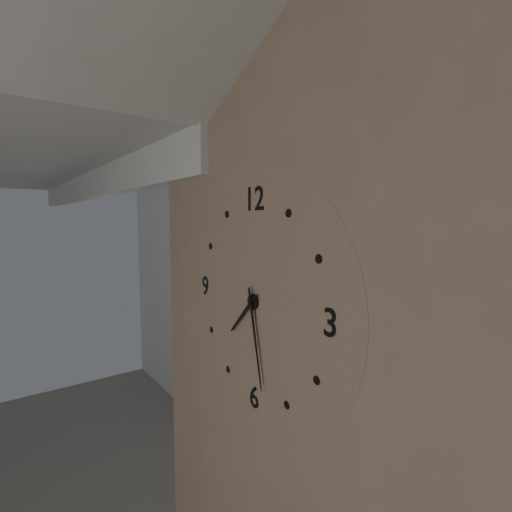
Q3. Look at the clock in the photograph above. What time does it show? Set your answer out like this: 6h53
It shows 7h28
